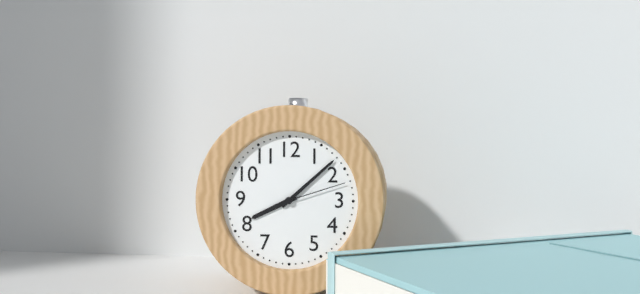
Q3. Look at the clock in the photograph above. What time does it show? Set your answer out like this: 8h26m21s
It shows 8h08m12s
